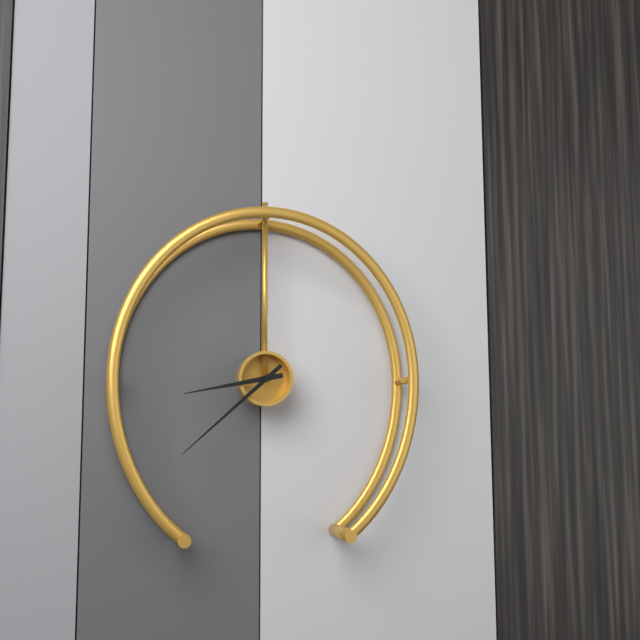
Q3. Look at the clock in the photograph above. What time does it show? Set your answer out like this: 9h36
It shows 8h38
